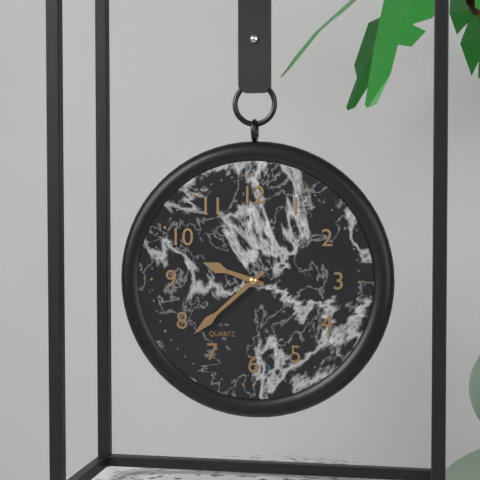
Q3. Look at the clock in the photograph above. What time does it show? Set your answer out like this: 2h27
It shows 9h38
